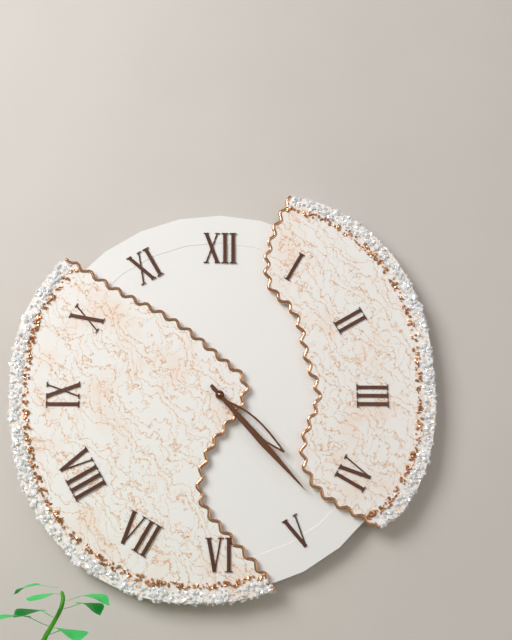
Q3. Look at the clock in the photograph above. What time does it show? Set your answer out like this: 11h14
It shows 4h23
